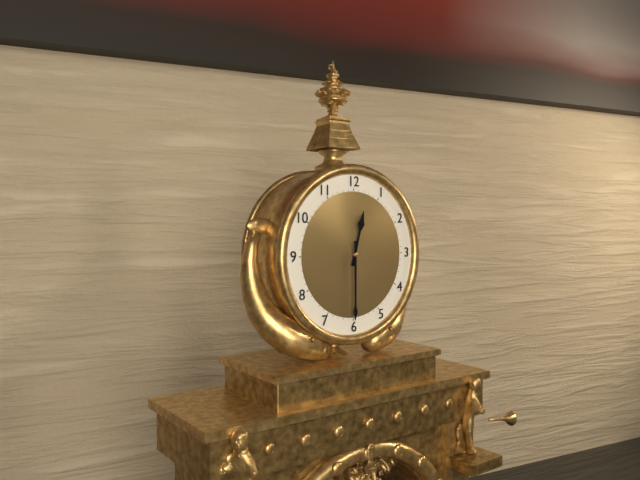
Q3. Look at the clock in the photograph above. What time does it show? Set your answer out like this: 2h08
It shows 12h30
